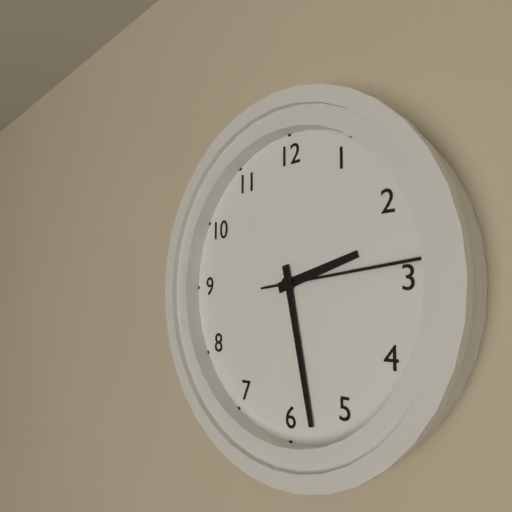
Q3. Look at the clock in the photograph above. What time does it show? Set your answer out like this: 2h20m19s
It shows 2h28m14s
